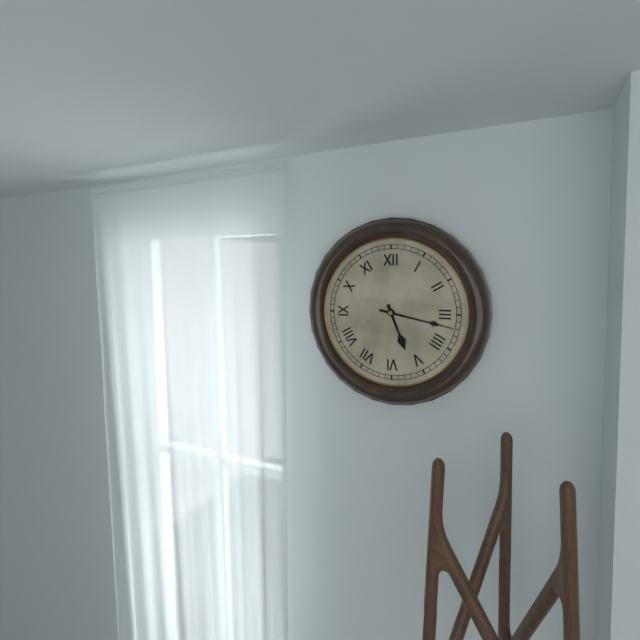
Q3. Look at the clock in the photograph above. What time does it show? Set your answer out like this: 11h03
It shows 5h17
